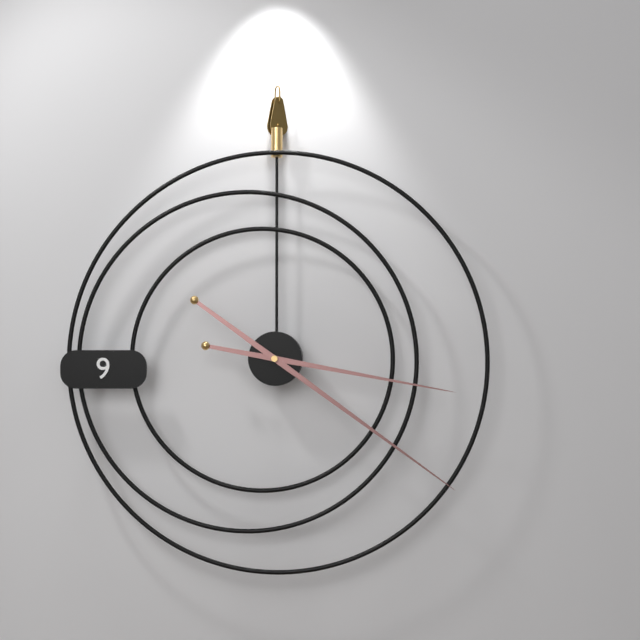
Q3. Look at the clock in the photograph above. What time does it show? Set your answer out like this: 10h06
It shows 3h21
